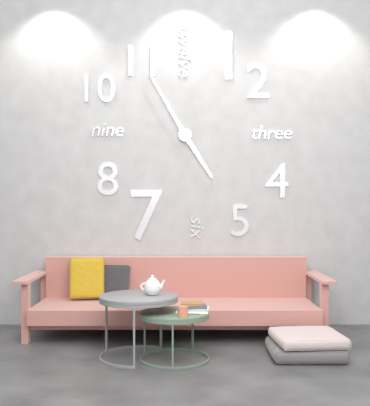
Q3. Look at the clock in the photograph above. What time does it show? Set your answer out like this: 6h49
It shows 4h55
